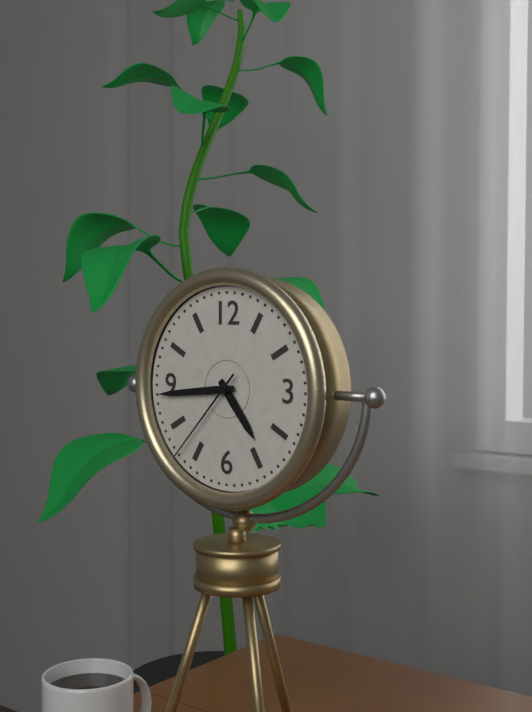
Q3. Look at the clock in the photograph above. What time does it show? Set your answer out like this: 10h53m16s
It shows 4h44m37s
